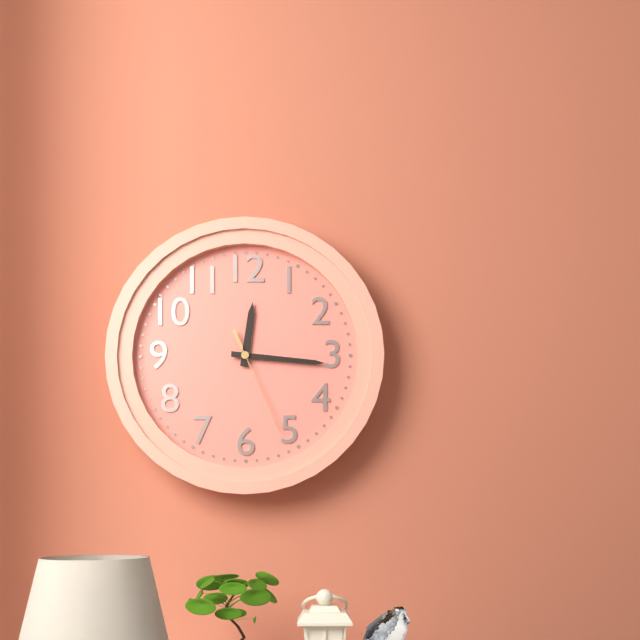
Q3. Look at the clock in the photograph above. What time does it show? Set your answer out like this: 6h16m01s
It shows 12h16m26s
